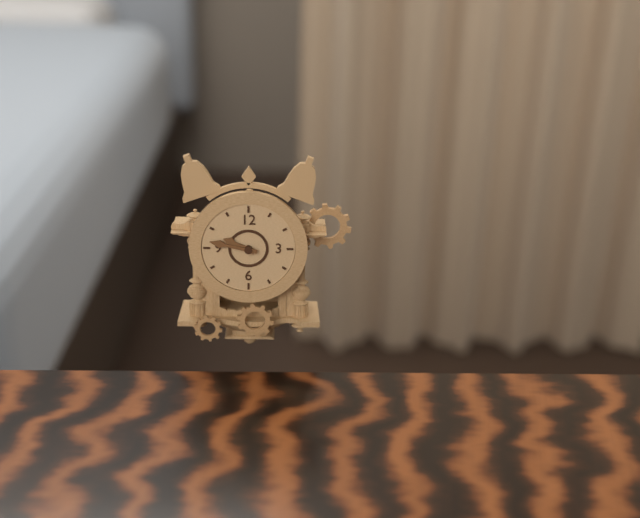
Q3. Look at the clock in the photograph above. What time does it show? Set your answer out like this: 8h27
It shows 9h47
